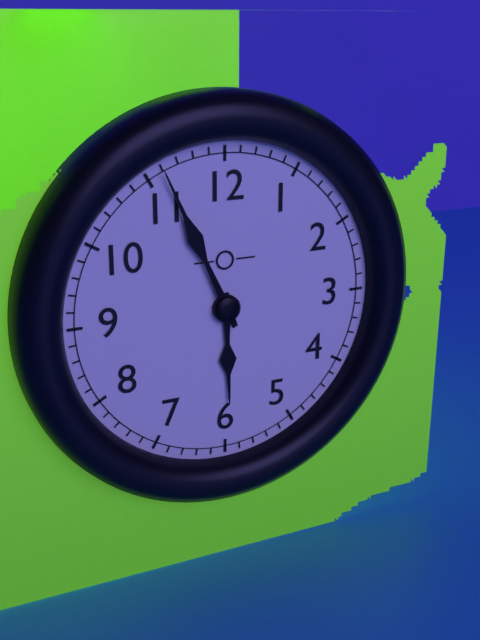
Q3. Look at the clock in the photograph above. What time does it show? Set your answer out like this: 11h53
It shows 5h56
